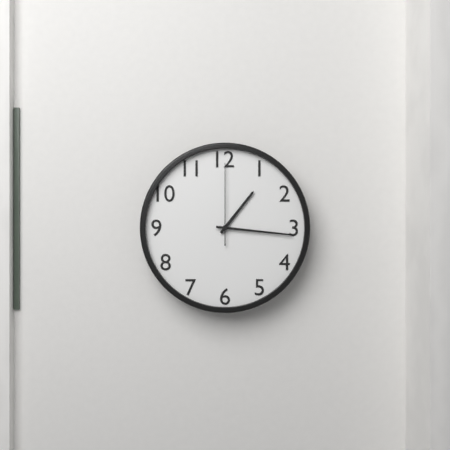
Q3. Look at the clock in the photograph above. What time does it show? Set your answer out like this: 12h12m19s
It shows 1h16m00s
